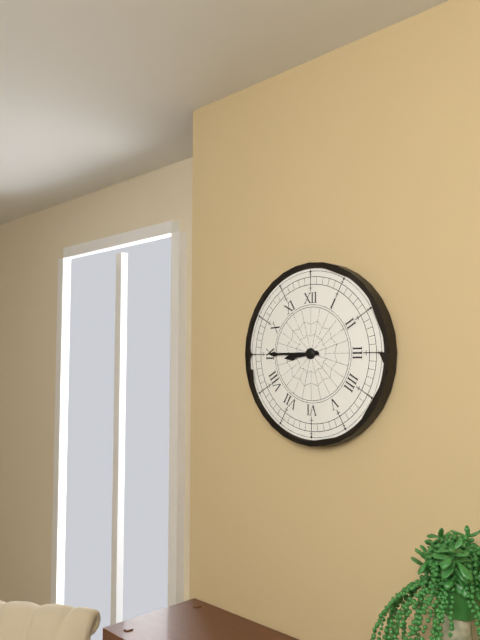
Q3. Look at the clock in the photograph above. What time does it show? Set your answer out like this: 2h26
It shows 8h45
